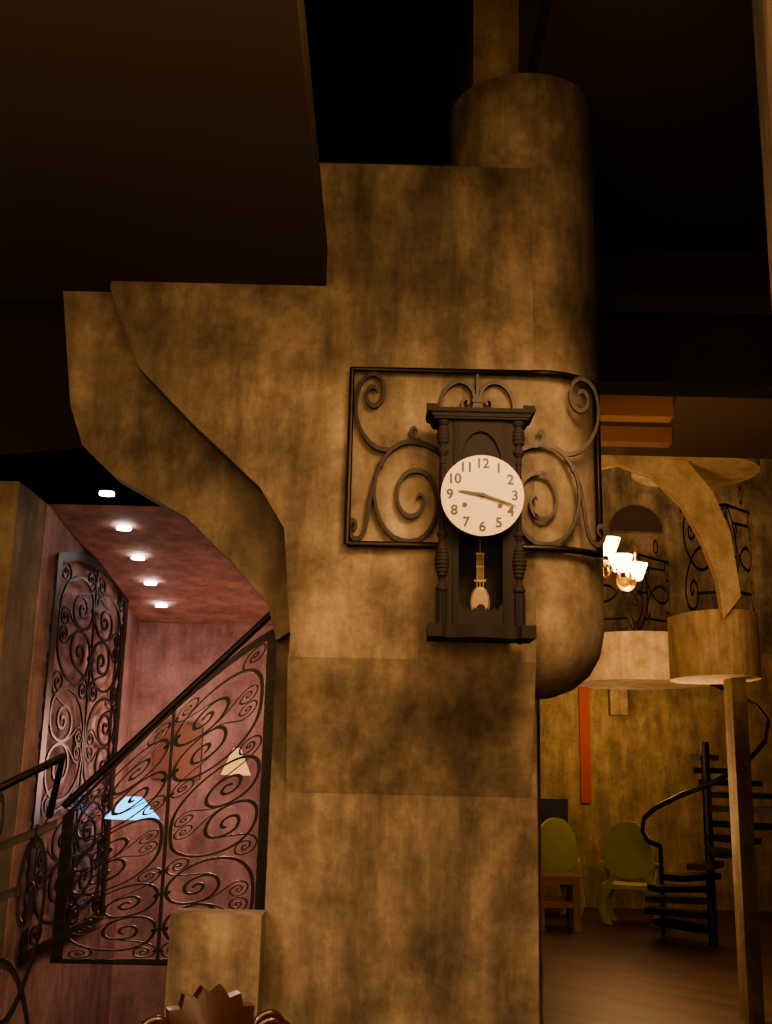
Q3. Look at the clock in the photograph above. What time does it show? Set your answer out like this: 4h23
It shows 9h18
